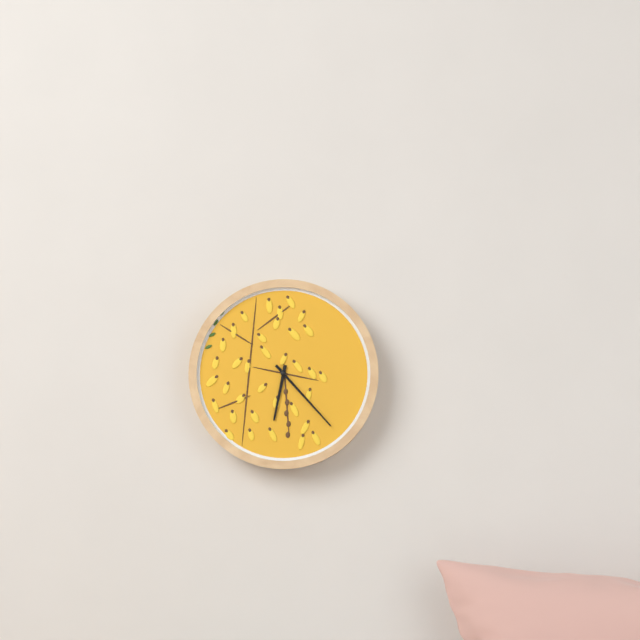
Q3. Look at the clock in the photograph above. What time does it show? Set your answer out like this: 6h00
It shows 6h23
